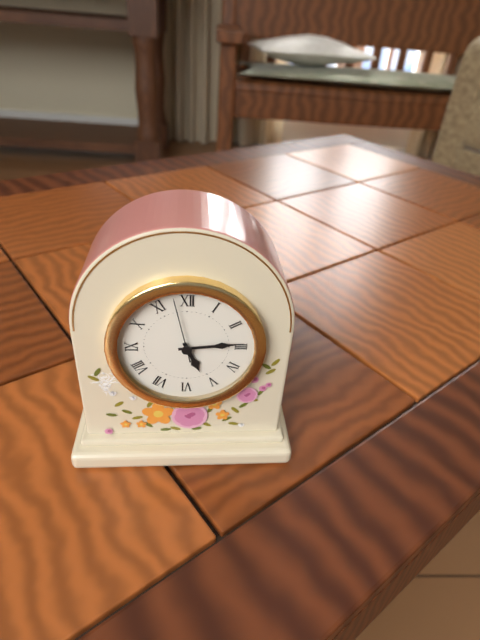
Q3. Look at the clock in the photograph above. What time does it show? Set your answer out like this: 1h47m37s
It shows 5h14m58s
